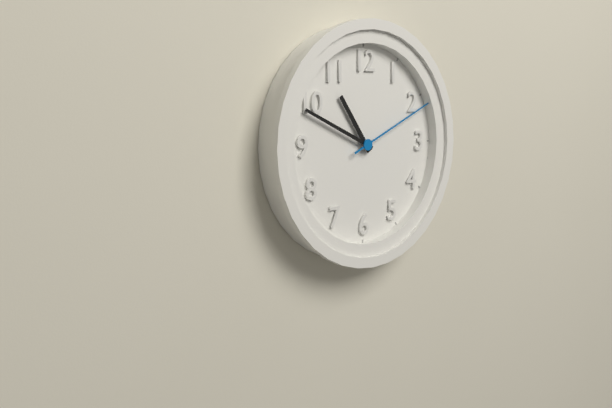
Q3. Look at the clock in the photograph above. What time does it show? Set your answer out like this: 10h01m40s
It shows 10h49m11s
